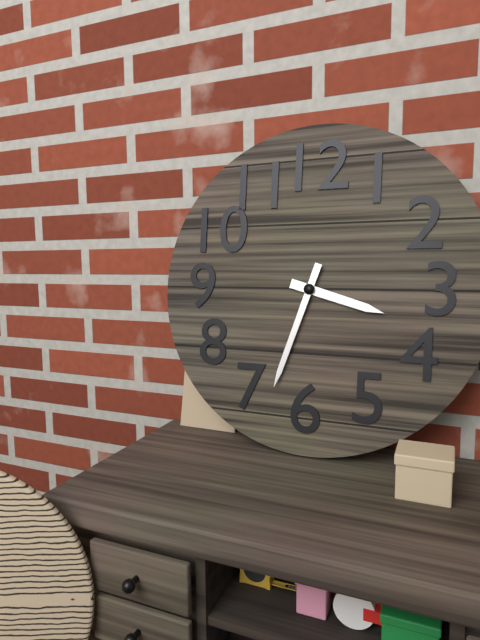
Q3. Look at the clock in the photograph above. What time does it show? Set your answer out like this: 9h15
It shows 3h33
